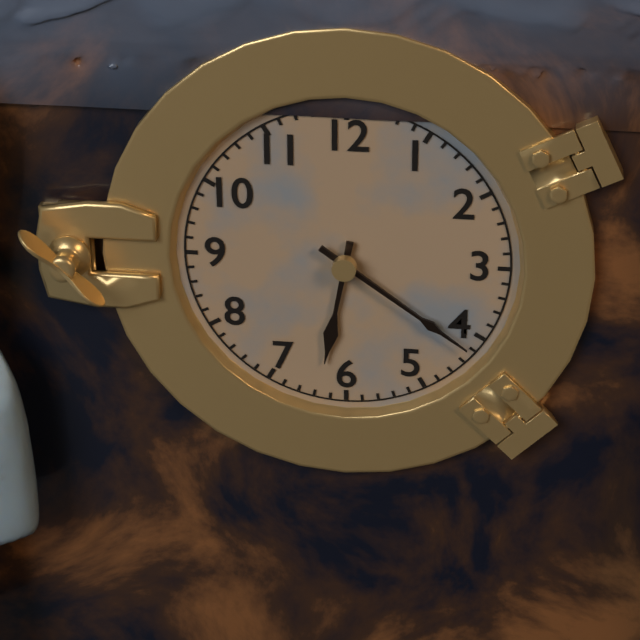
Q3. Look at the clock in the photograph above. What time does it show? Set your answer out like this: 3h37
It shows 6h21
